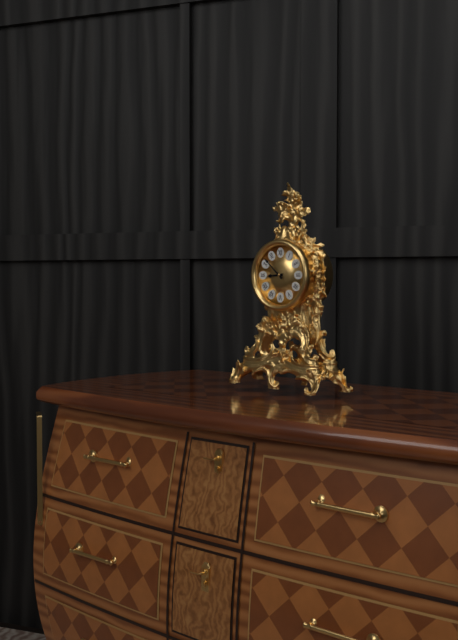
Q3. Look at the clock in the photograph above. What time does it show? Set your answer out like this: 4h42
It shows 8h52
